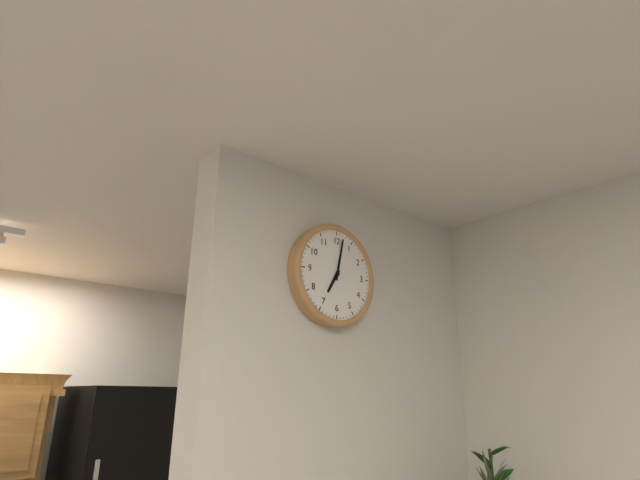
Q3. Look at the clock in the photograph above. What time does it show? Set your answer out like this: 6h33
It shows 7h02
